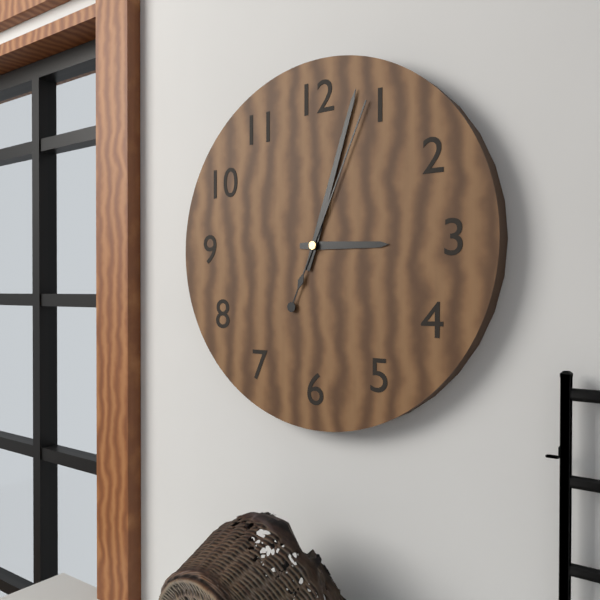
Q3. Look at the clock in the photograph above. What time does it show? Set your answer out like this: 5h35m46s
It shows 3h03m04s
